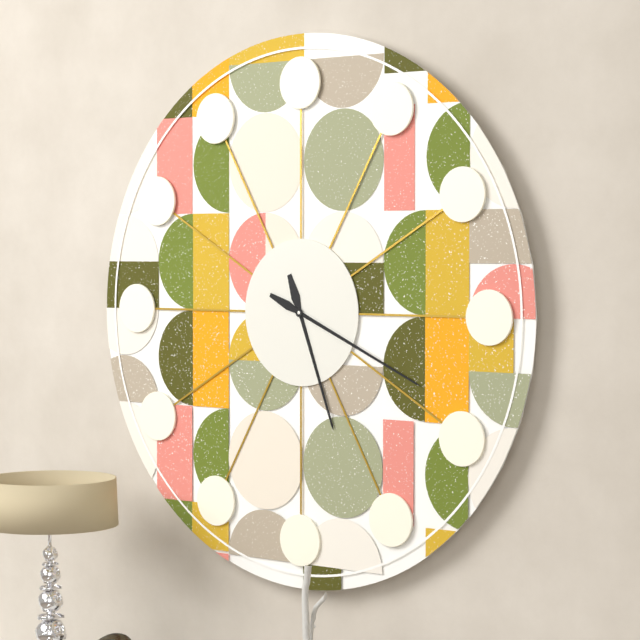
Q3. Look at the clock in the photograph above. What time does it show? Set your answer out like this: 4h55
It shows 5h19
